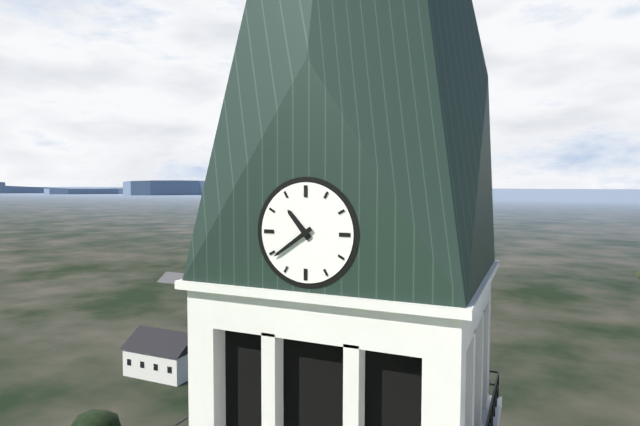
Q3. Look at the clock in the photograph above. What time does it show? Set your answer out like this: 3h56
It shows 10h39
